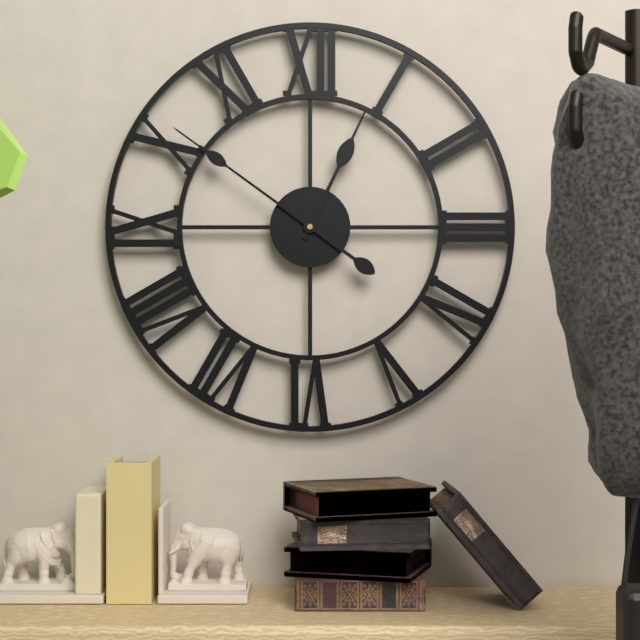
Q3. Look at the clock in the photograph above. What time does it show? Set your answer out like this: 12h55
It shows 12h51
